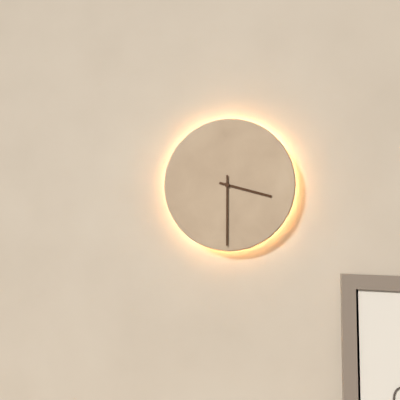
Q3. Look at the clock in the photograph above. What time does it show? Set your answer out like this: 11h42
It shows 3h30
